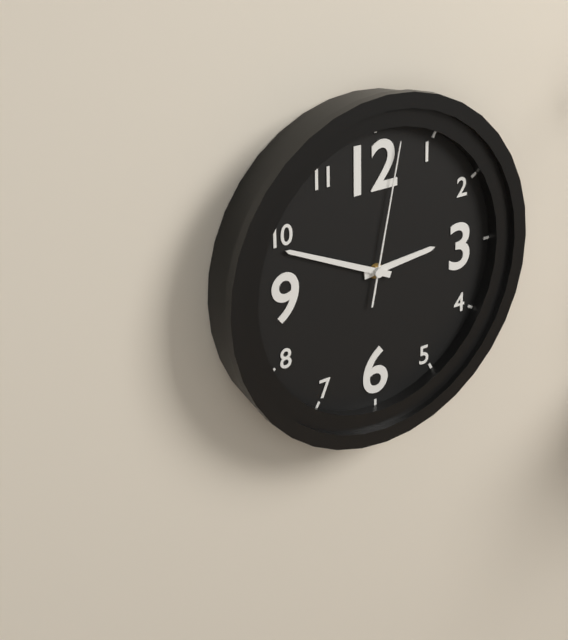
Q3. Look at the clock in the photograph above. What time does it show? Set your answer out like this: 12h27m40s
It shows 2h49m02s
